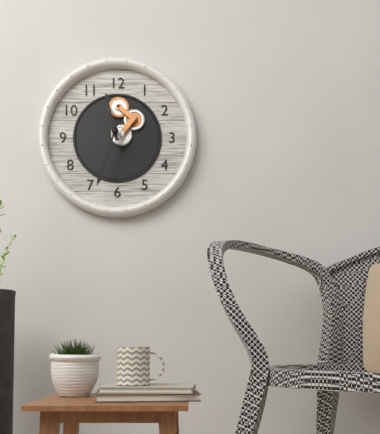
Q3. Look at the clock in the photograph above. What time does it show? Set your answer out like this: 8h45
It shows 11h33
